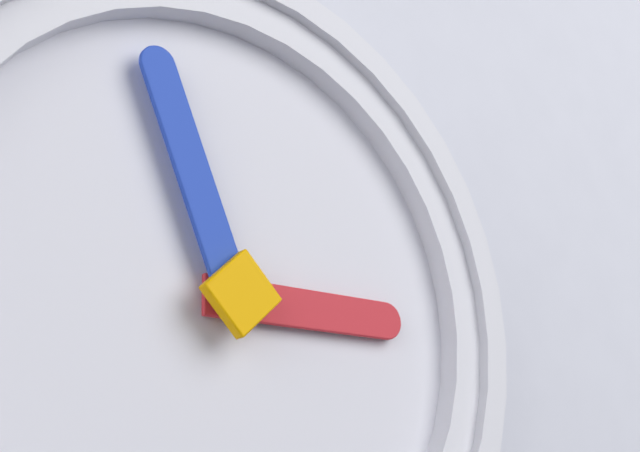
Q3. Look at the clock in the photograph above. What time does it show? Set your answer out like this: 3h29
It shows 2h56
